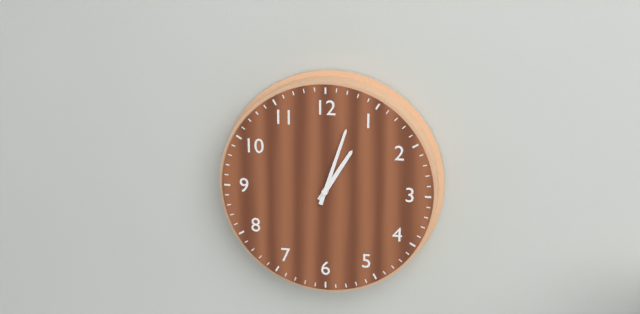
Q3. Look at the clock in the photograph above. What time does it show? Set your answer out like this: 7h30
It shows 1h03
